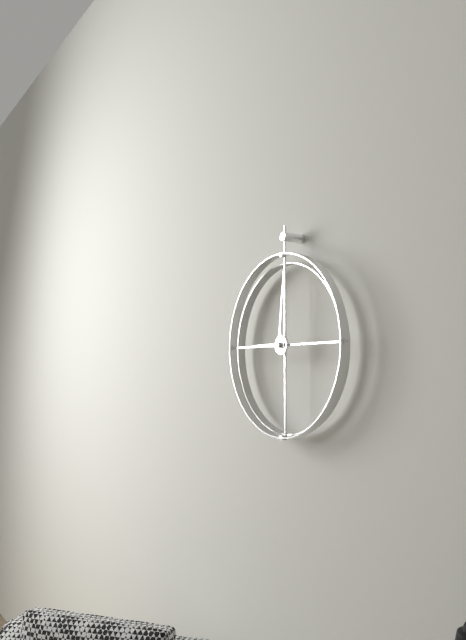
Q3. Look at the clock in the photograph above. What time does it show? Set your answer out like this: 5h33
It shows 9h01
